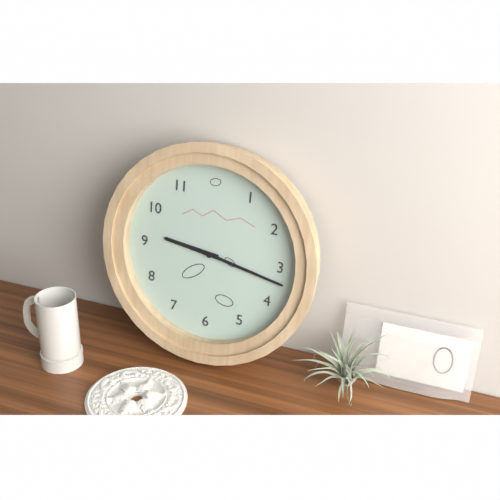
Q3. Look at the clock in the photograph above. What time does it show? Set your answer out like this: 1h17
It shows 9h17
